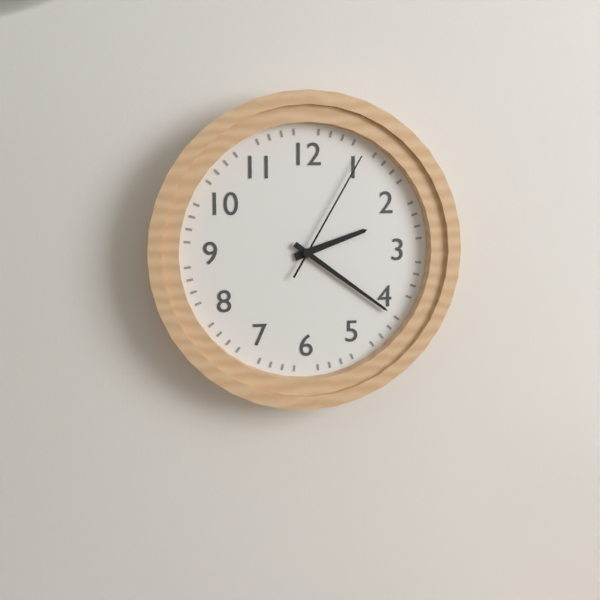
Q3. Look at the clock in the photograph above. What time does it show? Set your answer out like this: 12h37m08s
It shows 2h21m05s
